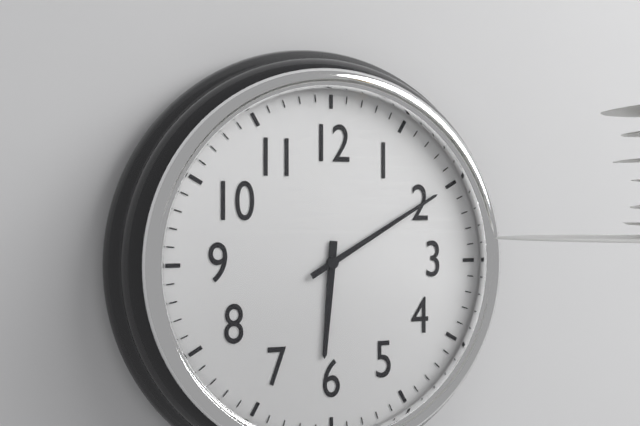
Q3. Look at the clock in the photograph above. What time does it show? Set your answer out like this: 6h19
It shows 6h10
